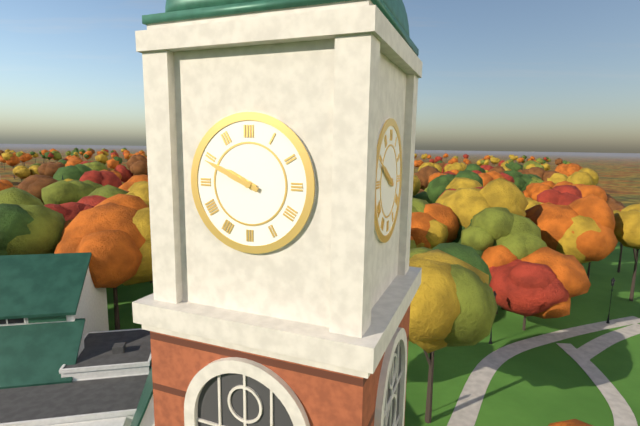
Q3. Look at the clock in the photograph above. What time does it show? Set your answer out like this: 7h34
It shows 9h49
